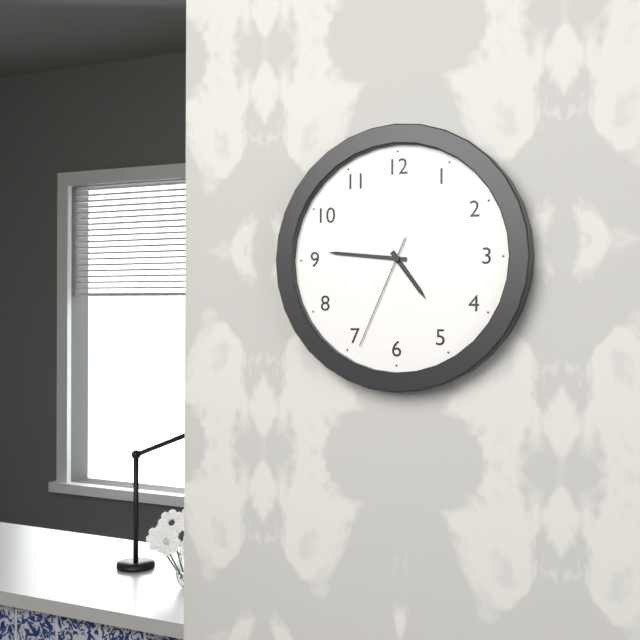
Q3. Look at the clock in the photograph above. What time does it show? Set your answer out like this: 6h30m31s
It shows 4h46m34s
